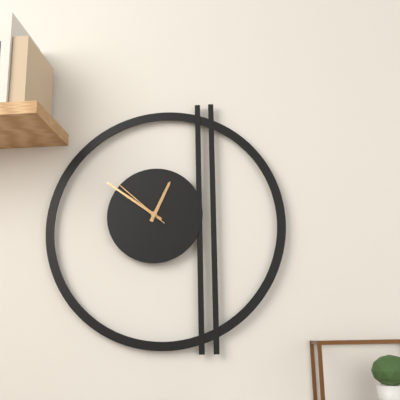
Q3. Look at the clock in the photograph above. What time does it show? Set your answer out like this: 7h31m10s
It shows 12h51m52s
